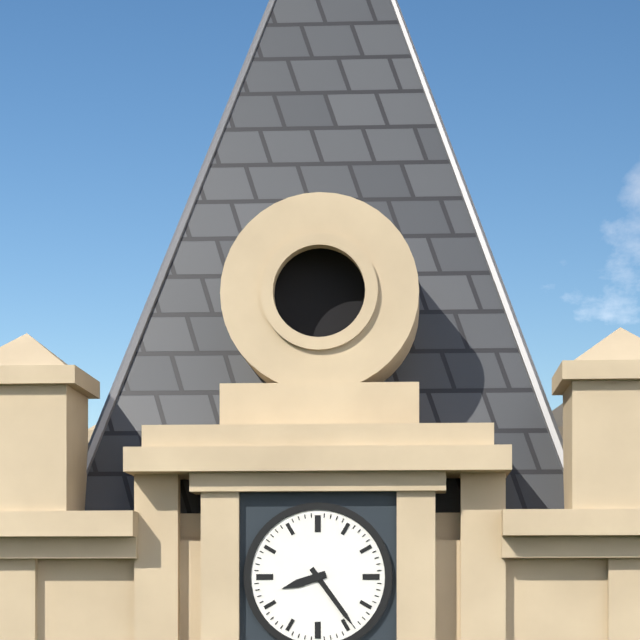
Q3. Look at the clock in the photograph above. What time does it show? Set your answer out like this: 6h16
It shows 8h24
